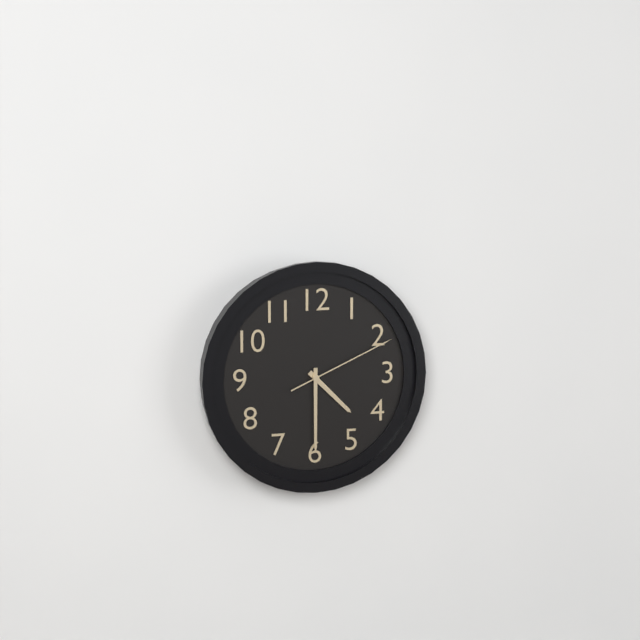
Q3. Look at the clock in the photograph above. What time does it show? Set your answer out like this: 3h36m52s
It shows 4h30m11s
